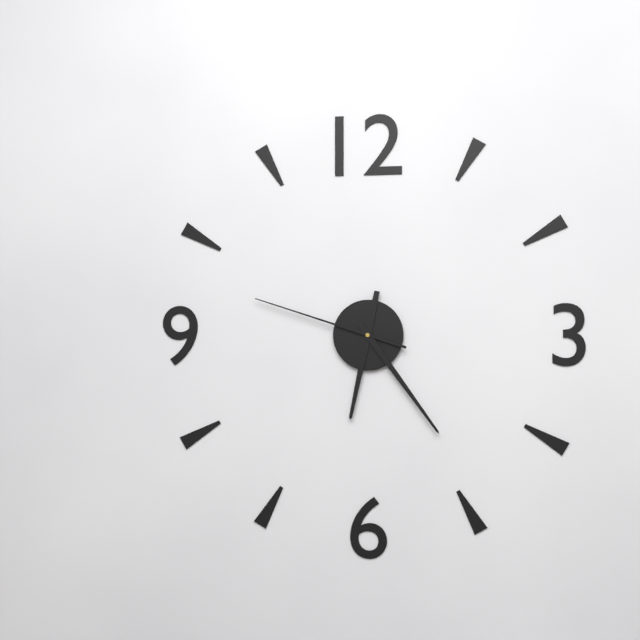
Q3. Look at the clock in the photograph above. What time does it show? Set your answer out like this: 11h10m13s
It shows 6h24m48s
